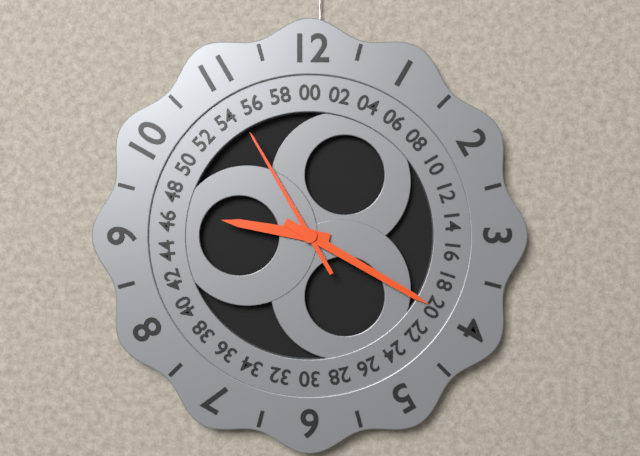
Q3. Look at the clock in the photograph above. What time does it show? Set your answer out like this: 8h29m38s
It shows 9h20m55s
